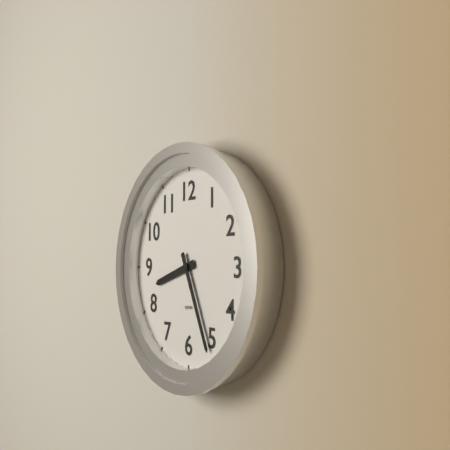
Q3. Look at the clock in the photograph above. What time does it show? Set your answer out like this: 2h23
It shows 8h26
